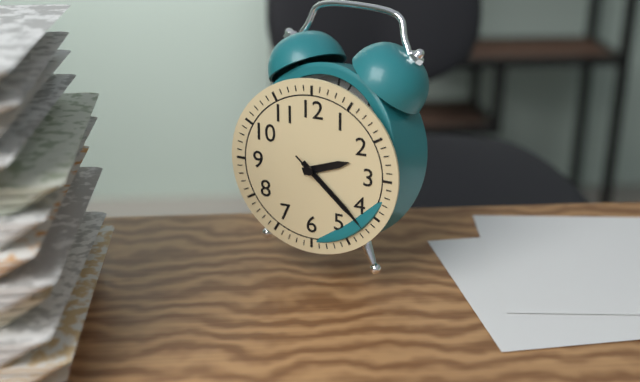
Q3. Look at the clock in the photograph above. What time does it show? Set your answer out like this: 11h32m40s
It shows 2h22m22s
